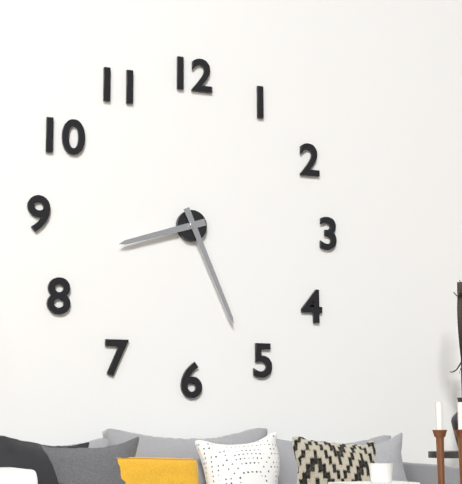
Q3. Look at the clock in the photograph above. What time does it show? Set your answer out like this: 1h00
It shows 8h26
